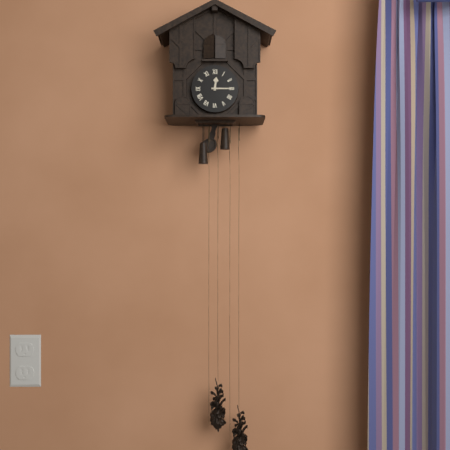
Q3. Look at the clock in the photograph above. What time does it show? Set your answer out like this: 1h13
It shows 12h15
